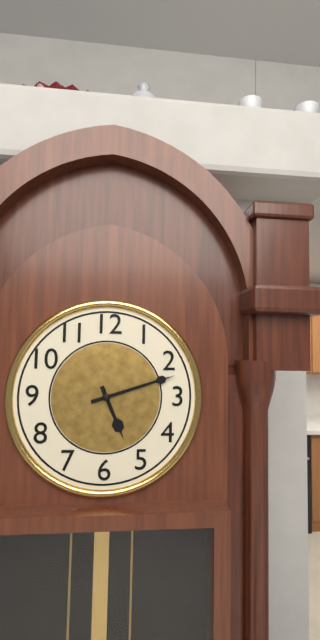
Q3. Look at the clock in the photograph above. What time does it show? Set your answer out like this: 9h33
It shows 5h12
